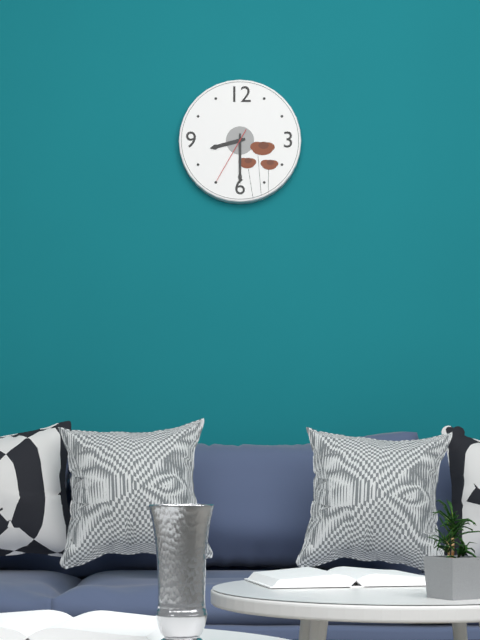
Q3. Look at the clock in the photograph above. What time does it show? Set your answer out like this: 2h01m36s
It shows 8h30m35s
